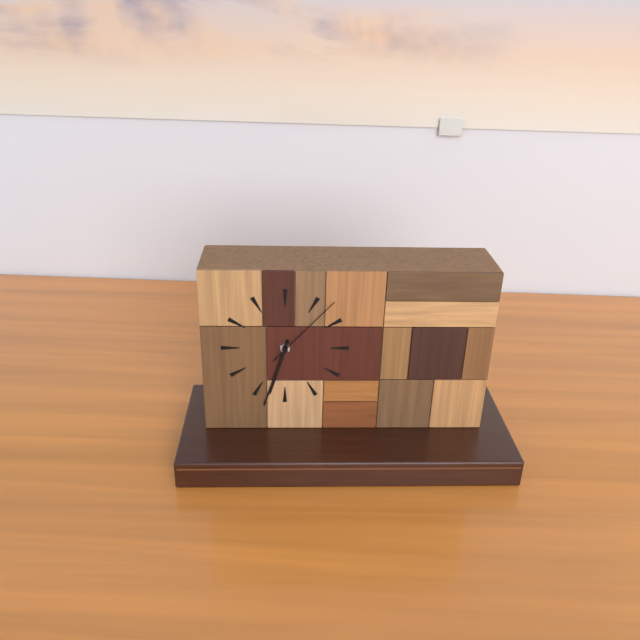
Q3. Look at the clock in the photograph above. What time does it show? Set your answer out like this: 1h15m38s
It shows 6h33m07s
